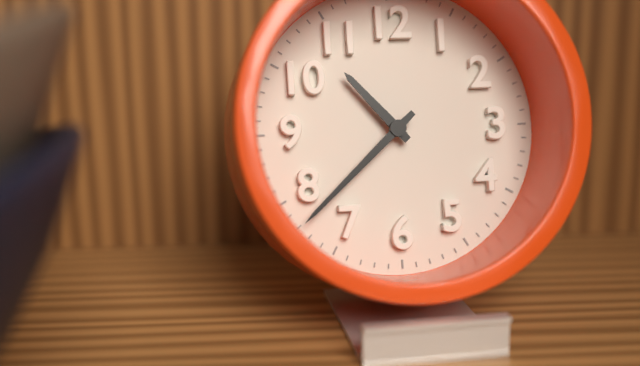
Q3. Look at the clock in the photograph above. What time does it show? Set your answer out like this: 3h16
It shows 10h38
